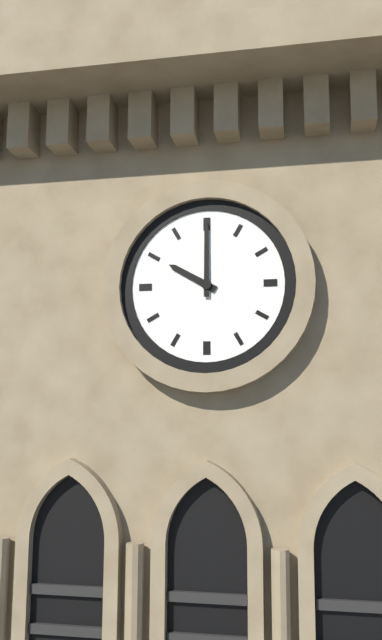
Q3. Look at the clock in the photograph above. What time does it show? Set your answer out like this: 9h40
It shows 10h00
